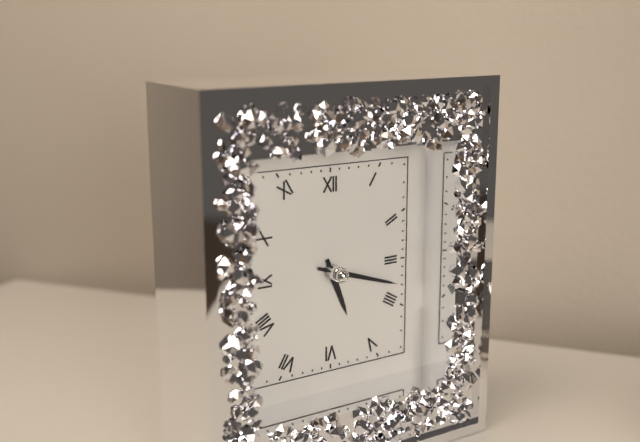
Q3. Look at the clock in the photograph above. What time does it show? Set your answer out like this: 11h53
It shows 5h18
